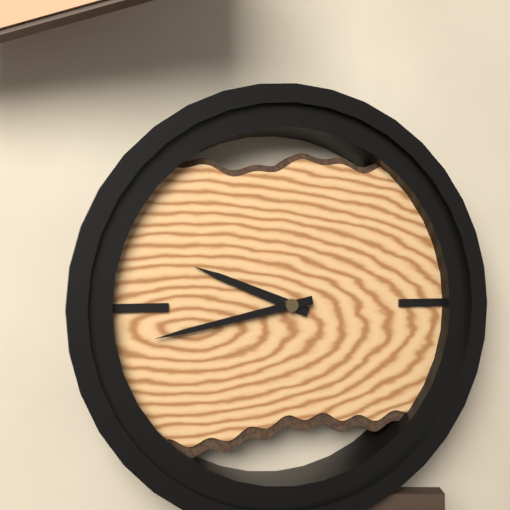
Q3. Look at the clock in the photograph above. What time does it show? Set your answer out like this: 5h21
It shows 9h43
